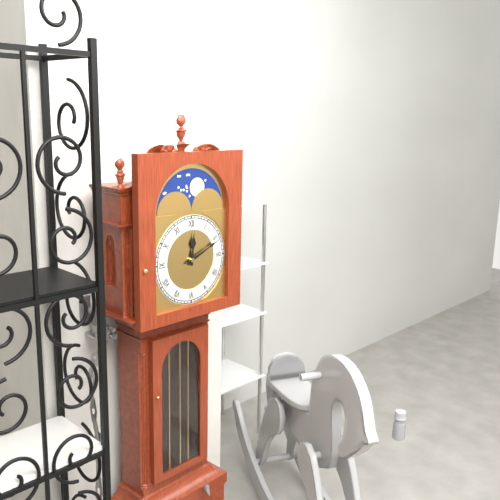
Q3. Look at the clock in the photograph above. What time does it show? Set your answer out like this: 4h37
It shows 12h11
